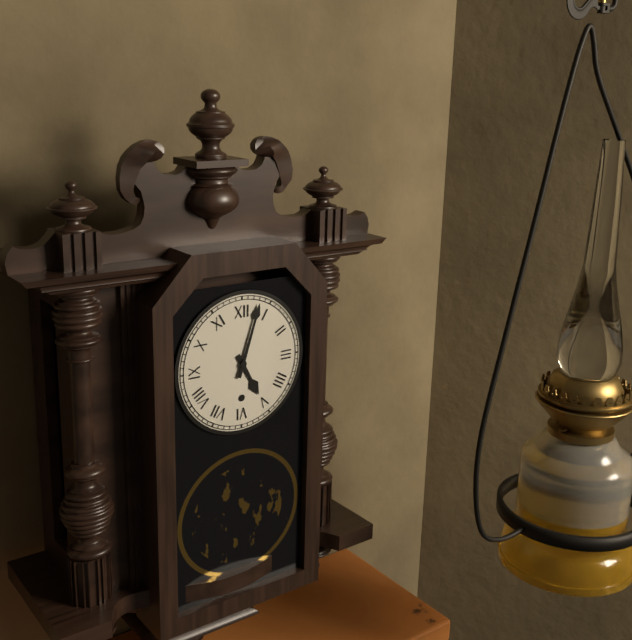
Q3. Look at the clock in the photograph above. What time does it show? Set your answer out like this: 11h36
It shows 5h03
